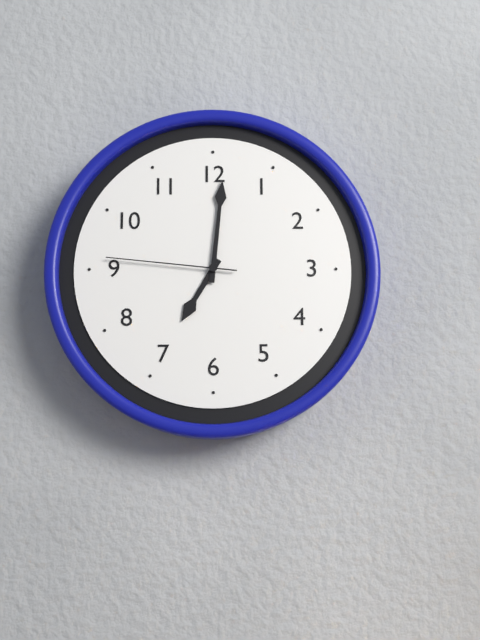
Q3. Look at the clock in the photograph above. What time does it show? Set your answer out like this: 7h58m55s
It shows 7h01m46s
